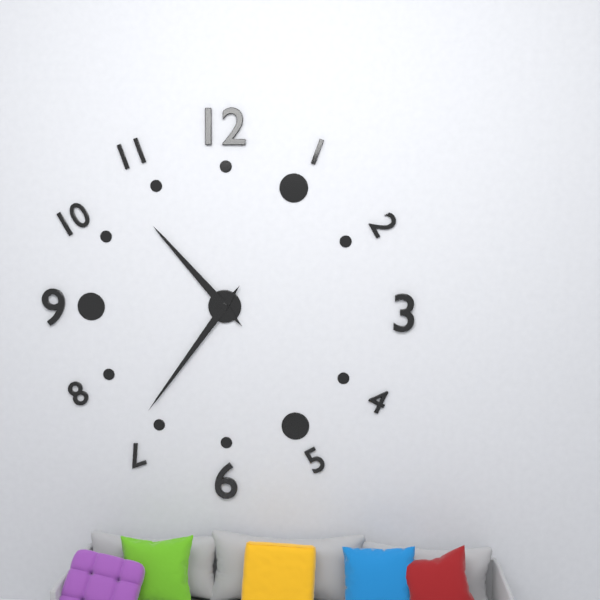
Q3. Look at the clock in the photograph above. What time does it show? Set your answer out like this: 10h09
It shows 10h36
